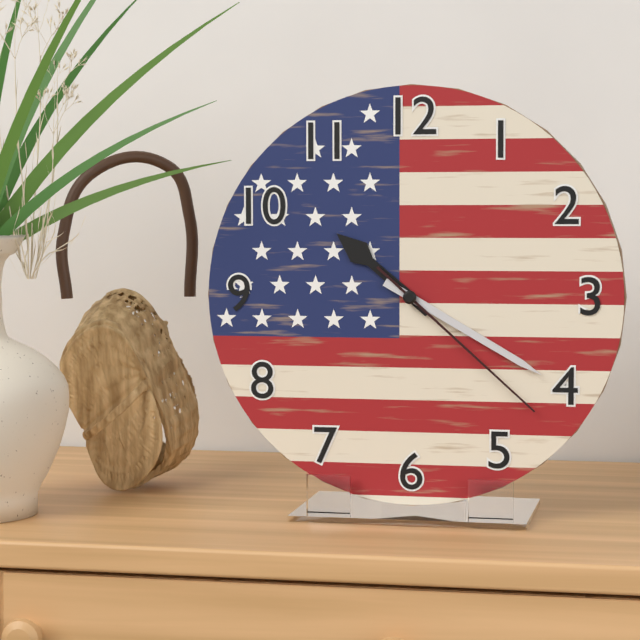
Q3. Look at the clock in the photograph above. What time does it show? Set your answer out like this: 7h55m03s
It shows 10h20m22s
